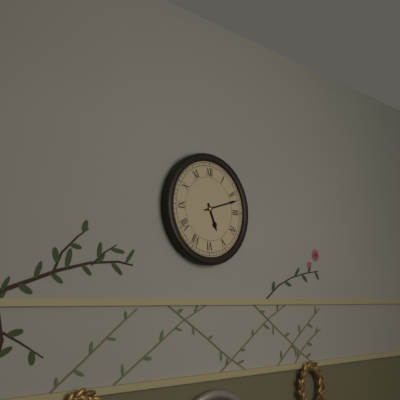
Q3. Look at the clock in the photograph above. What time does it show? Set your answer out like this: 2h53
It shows 5h12
